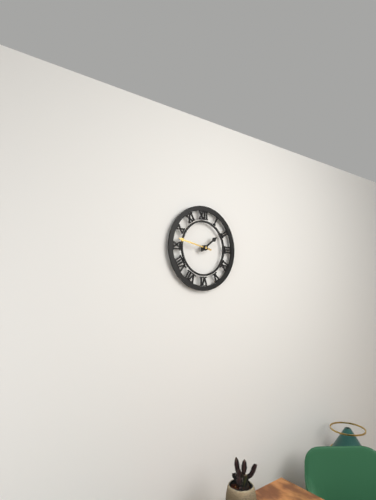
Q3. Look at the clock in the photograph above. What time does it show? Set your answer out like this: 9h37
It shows 1h47
